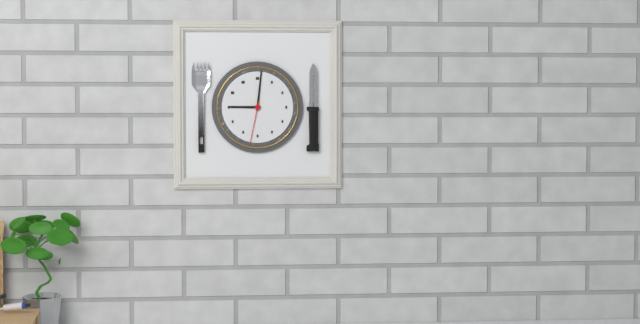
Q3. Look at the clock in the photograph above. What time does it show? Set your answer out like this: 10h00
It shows 9h01
